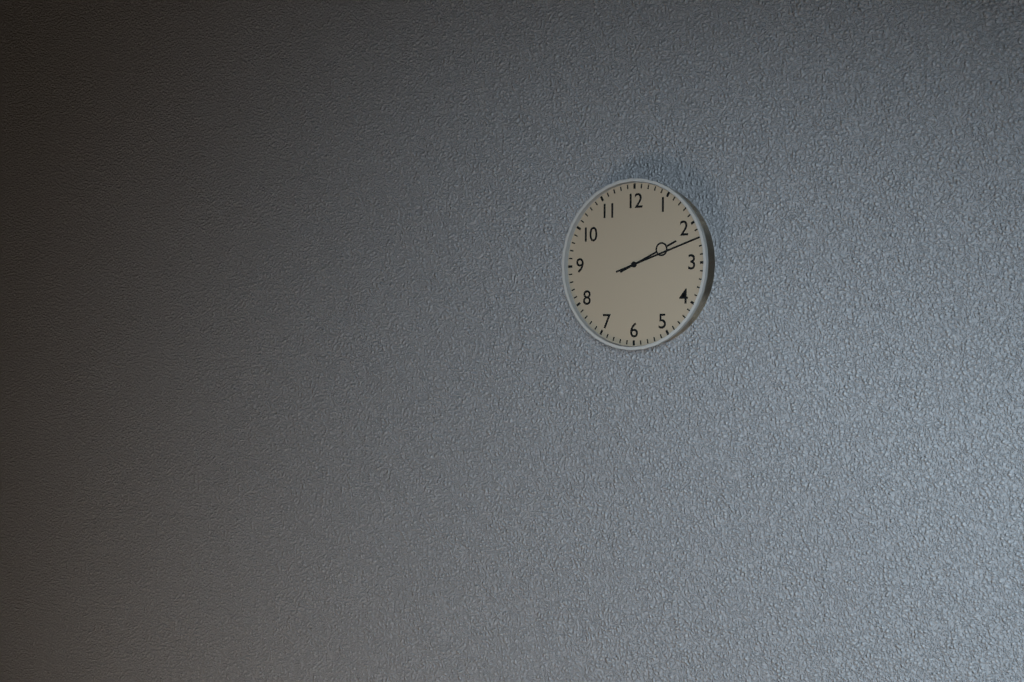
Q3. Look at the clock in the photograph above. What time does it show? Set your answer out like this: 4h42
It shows 2h12
